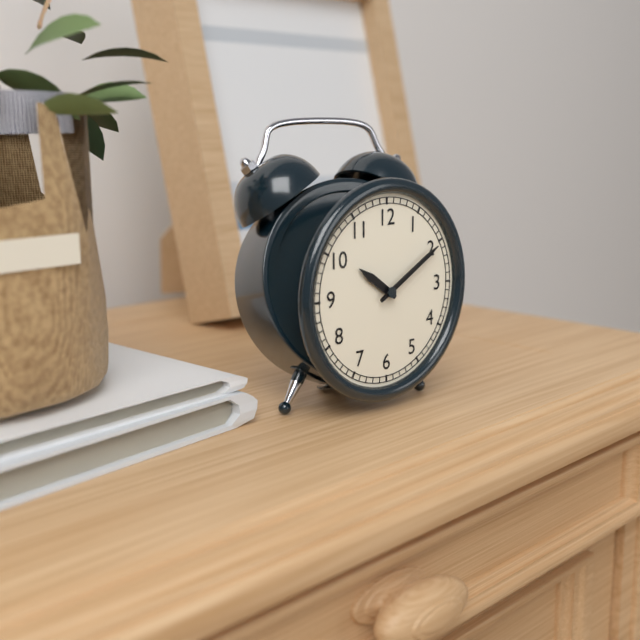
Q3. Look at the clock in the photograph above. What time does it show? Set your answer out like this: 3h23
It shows 10h10
